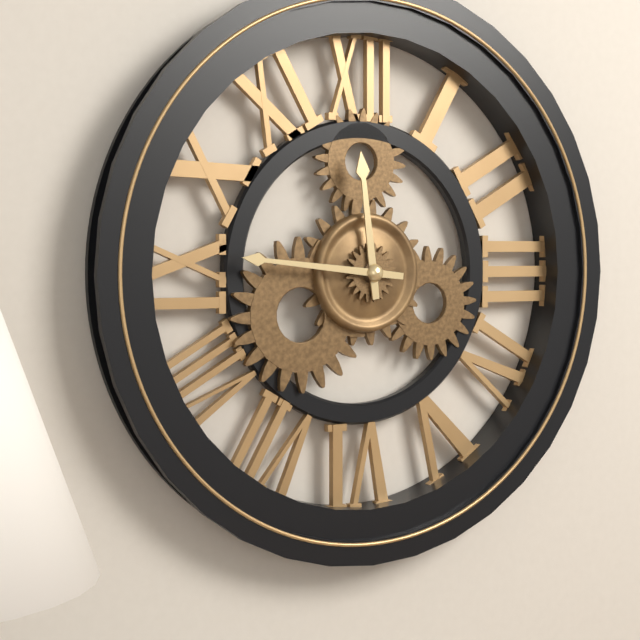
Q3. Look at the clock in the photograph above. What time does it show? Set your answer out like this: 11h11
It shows 11h46
